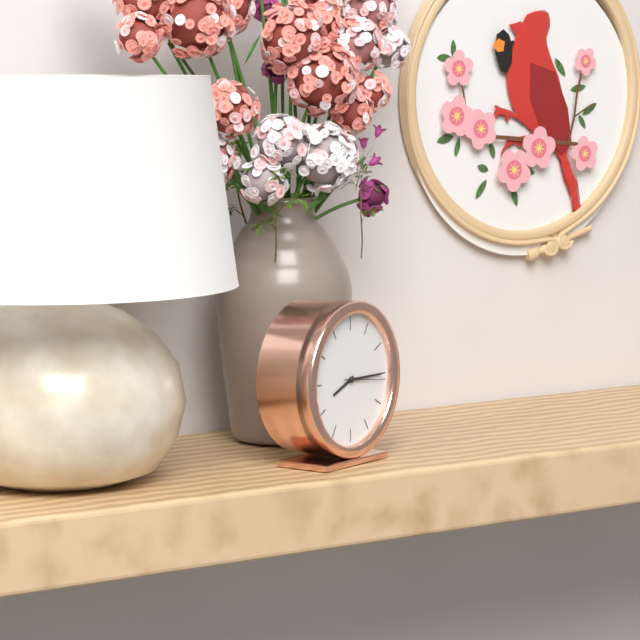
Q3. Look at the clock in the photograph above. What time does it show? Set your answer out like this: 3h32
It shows 8h15
